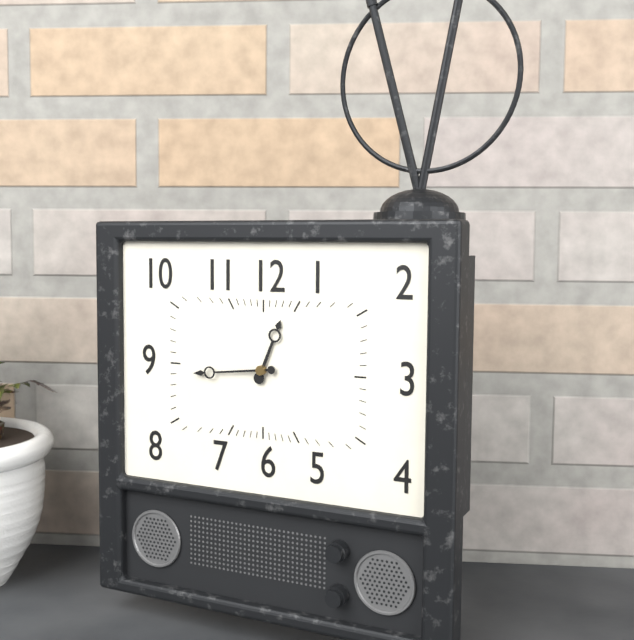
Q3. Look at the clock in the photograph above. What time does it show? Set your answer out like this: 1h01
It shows 12h44
